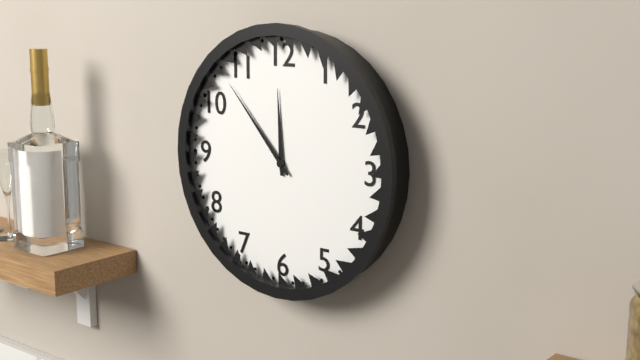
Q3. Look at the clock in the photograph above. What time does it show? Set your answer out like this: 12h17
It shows 11h53
